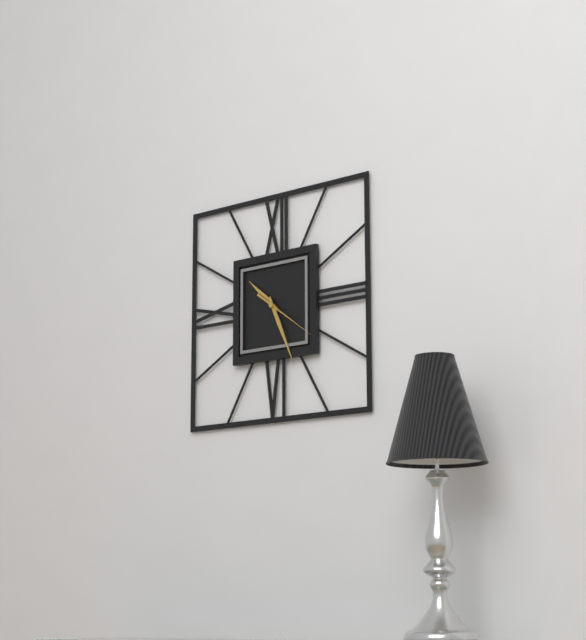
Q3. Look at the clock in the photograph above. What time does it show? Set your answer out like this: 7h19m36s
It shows 10h26m21s
